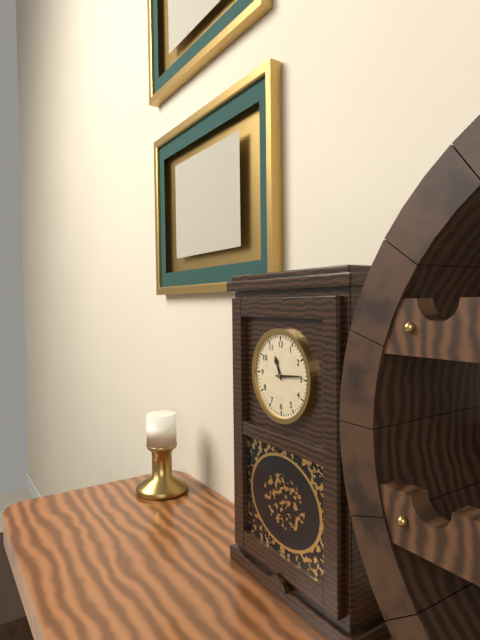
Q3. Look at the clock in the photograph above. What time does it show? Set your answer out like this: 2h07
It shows 11h14
